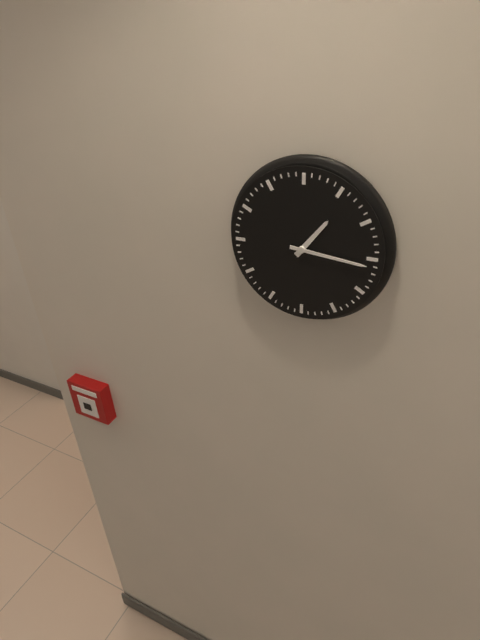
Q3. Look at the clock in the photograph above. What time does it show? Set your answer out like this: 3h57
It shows 1h16
